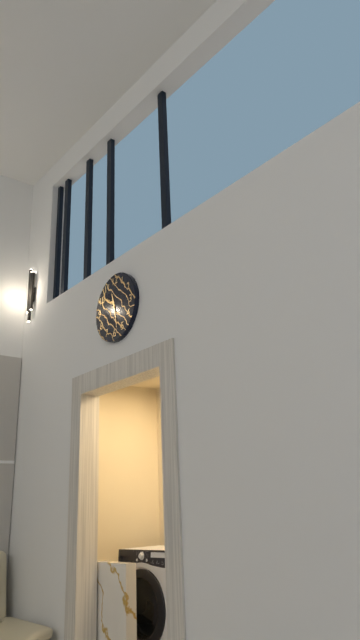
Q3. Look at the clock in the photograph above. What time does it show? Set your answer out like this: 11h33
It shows 11h28
